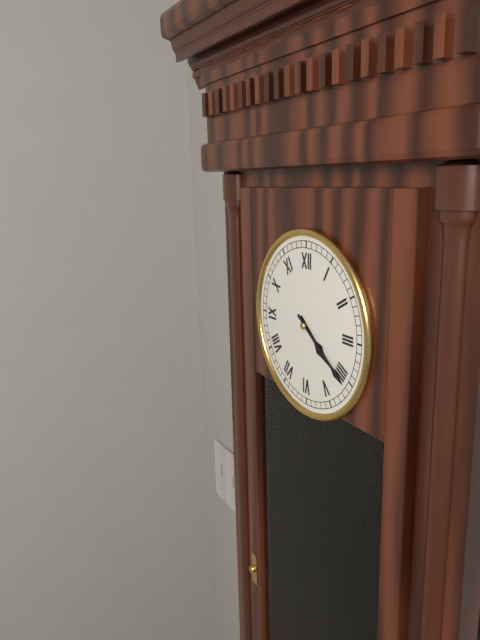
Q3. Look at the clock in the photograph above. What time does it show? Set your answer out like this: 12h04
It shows 4h21
